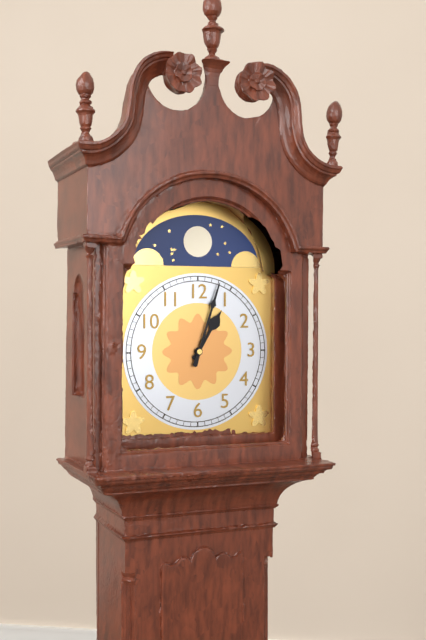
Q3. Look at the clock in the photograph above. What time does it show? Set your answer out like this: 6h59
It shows 1h03
